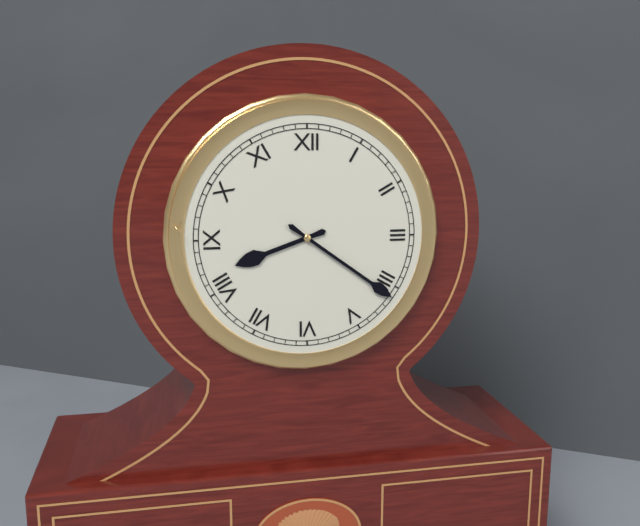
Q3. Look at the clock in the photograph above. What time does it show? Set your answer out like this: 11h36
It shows 8h21
